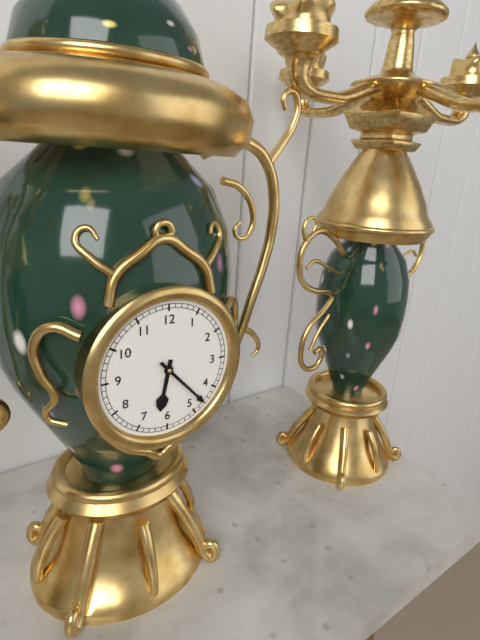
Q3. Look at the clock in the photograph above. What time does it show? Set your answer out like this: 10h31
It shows 6h23
